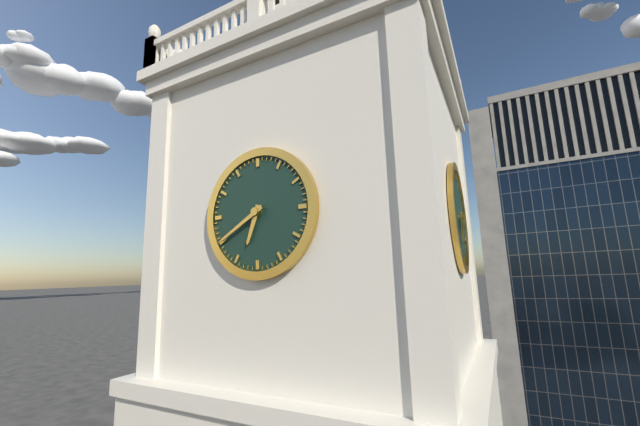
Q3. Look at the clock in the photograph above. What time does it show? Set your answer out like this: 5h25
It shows 6h40
